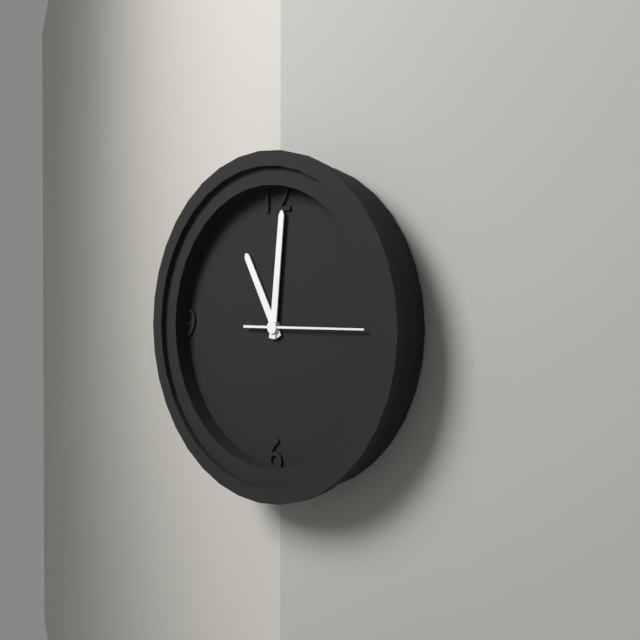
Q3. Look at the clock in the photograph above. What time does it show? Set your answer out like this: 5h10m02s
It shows 11h01m15s
